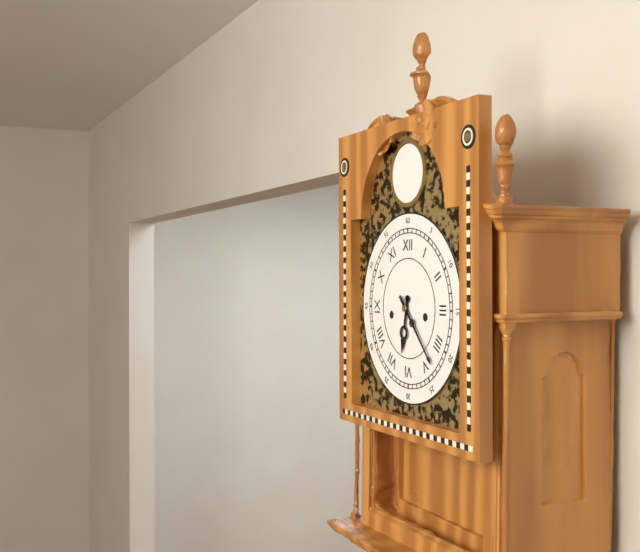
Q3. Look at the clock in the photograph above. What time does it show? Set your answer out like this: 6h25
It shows 6h23
